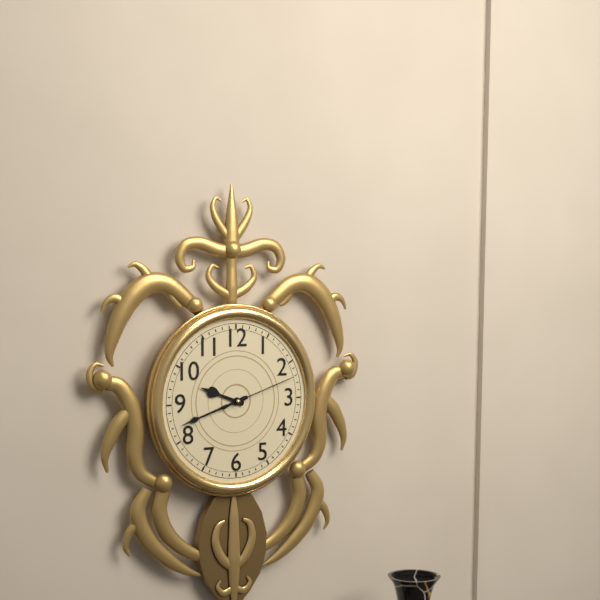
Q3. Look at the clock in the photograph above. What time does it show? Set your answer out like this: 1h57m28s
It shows 9h42m12s
